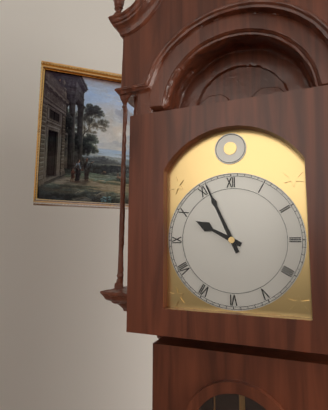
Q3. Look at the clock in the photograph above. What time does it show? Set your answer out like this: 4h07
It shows 9h56
